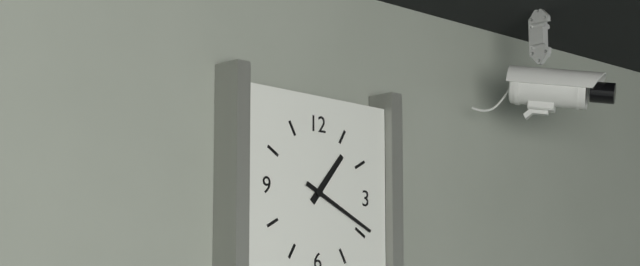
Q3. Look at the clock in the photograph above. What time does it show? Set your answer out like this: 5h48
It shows 1h19
